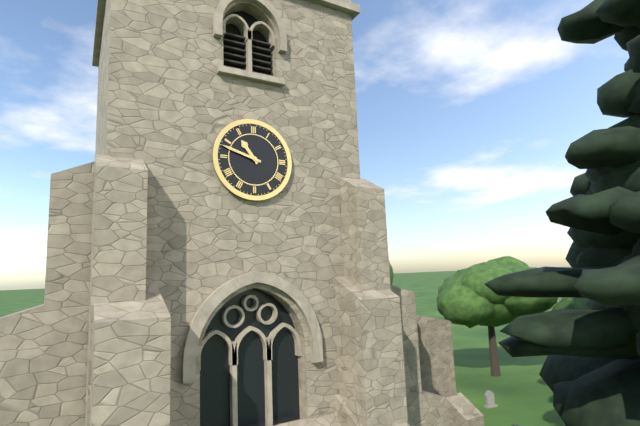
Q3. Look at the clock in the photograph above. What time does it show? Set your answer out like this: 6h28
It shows 10h48
